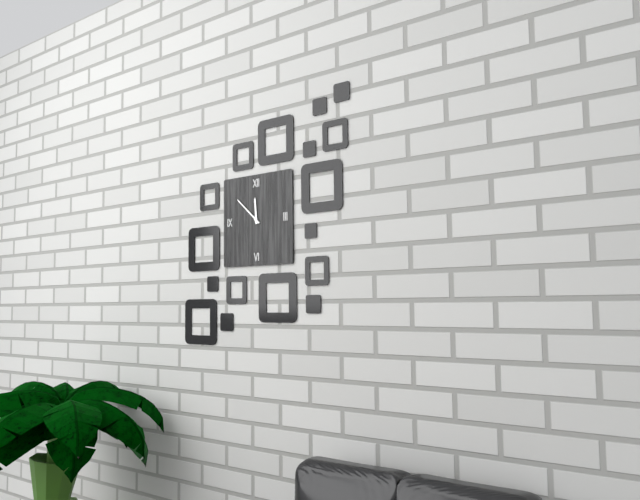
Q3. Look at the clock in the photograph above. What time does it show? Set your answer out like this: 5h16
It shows 11h52
